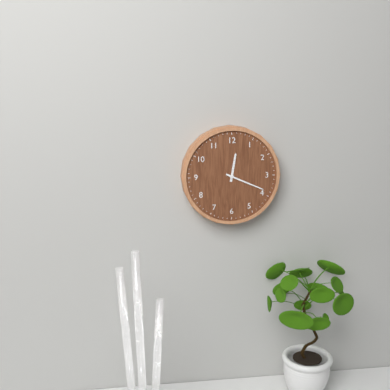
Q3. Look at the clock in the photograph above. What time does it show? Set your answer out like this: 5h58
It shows 12h19
